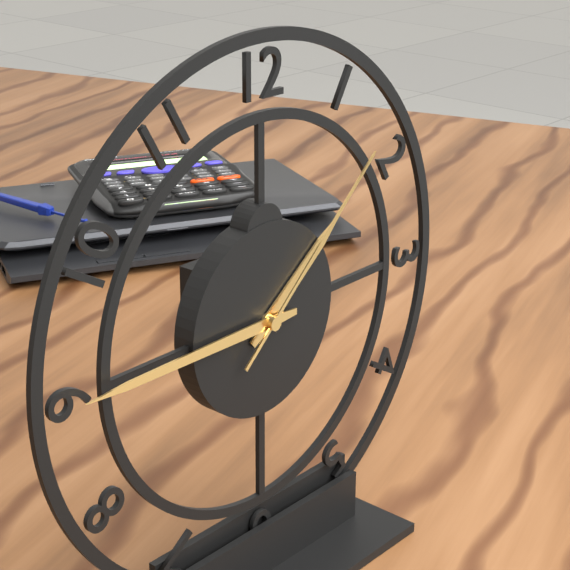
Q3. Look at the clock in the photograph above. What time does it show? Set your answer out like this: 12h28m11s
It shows 1h45m08s
